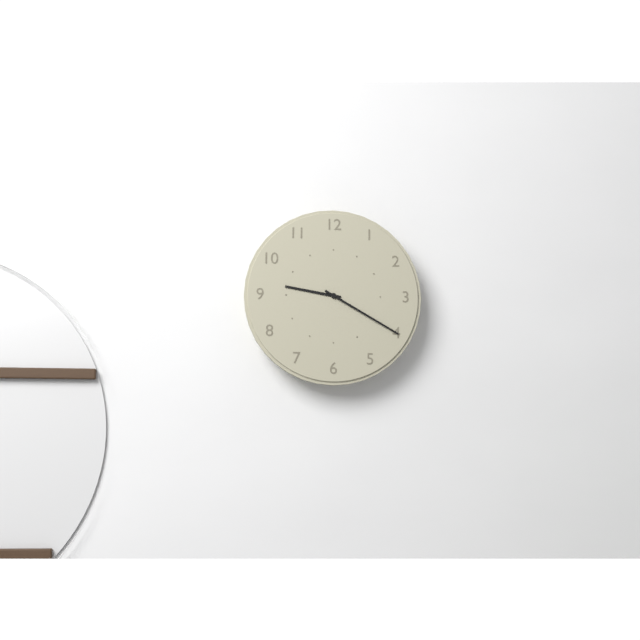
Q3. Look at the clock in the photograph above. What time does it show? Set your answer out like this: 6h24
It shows 9h20
